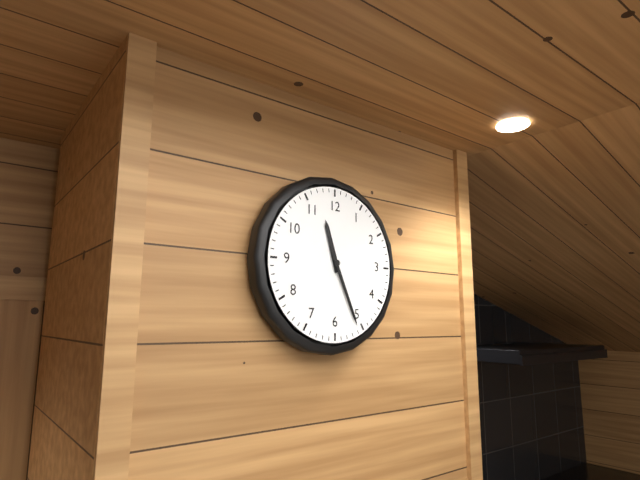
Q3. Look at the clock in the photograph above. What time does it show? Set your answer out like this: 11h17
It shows 11h26
